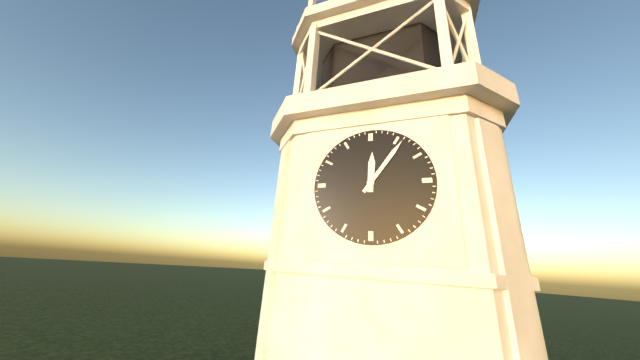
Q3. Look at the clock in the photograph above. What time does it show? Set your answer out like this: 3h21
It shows 12h06
